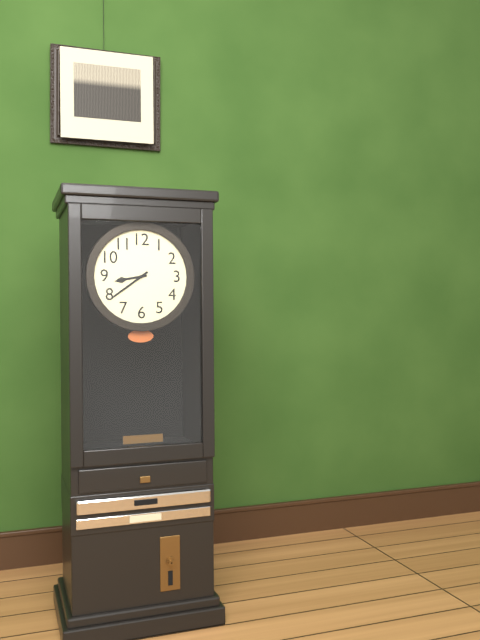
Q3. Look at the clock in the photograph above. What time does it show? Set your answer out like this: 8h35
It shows 8h39
